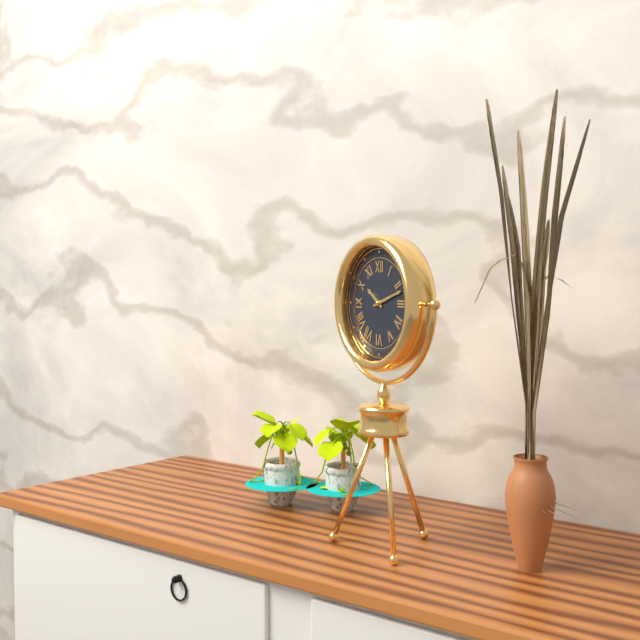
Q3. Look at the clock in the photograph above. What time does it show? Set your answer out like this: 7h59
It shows 10h12
